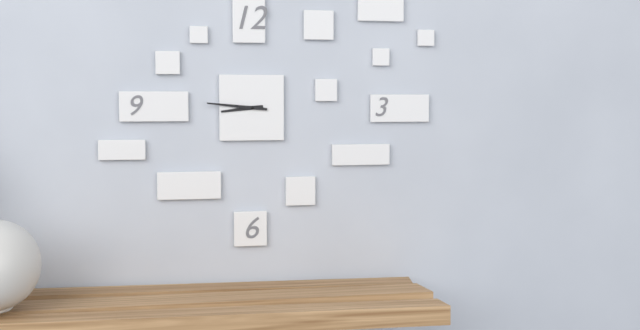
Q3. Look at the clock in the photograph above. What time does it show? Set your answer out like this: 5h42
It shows 8h46
